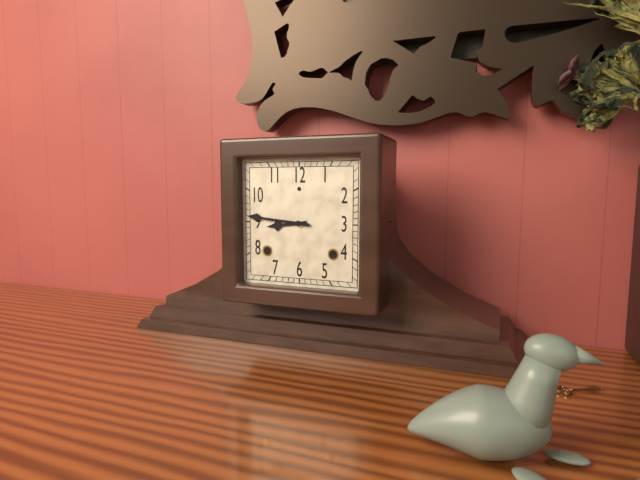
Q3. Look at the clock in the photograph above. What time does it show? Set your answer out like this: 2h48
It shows 8h46
